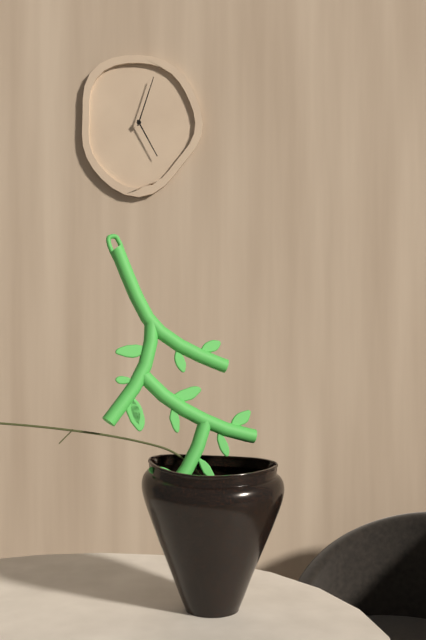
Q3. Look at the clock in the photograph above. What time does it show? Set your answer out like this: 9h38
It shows 5h03
